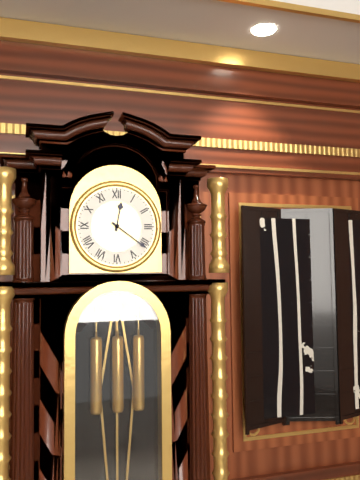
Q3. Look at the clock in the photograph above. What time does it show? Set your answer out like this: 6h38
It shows 12h21
